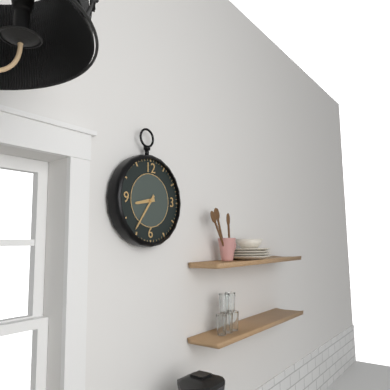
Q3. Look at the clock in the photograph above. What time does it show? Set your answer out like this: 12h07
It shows 8h36
